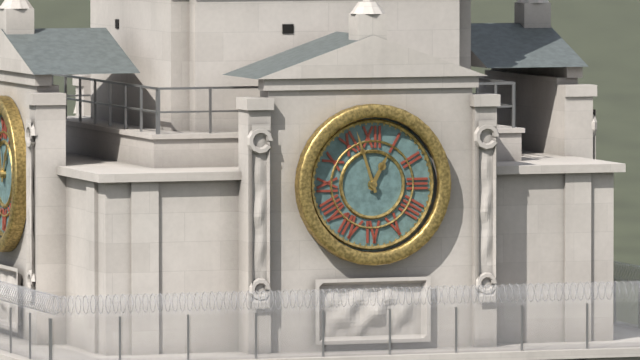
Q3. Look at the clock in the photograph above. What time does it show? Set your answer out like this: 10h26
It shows 12h57
